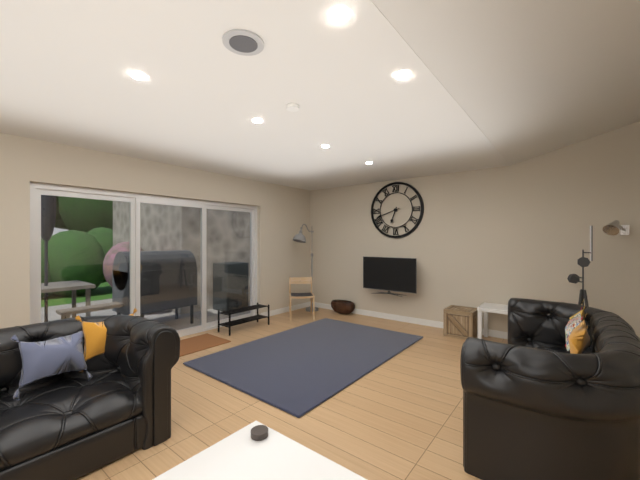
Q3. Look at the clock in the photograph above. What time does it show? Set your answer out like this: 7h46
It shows 6h42
